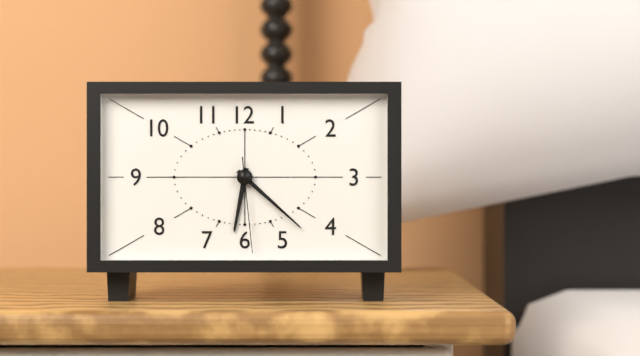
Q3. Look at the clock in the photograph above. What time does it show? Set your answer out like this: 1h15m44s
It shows 6h22m29s
